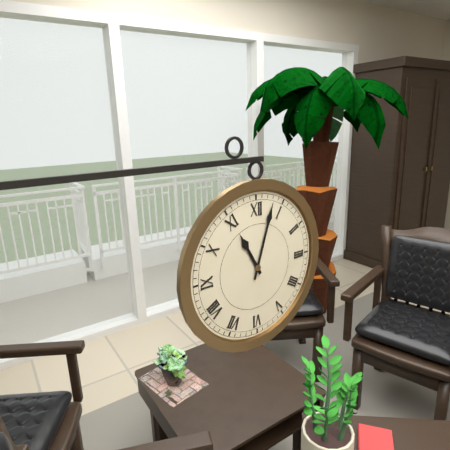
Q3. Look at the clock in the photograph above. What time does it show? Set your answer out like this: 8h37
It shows 11h03
